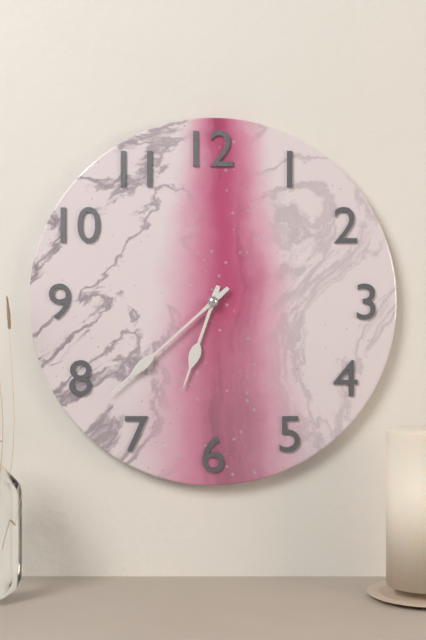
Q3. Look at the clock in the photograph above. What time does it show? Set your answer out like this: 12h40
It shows 6h38
